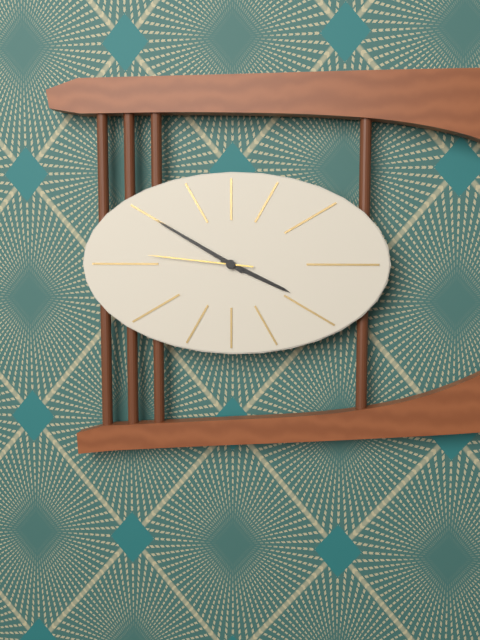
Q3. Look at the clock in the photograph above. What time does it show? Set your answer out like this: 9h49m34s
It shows 3h50m46s
